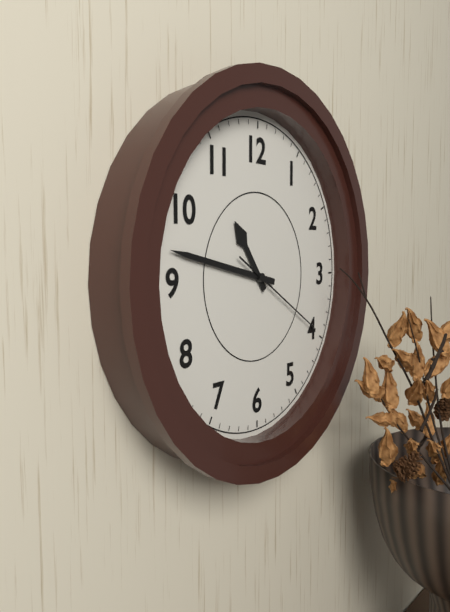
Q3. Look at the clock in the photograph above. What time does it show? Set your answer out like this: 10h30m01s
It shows 10h47m20s
